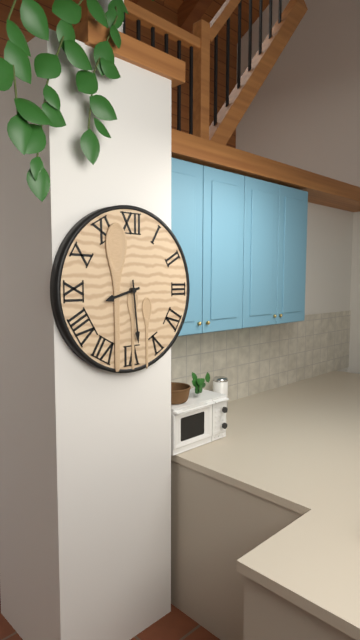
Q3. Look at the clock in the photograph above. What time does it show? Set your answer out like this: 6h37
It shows 8h29
